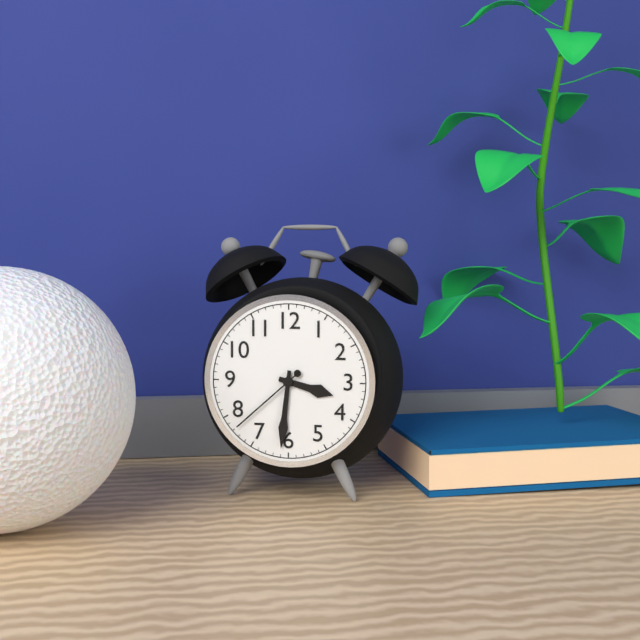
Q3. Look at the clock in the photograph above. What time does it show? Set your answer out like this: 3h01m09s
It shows 3h31m38s
